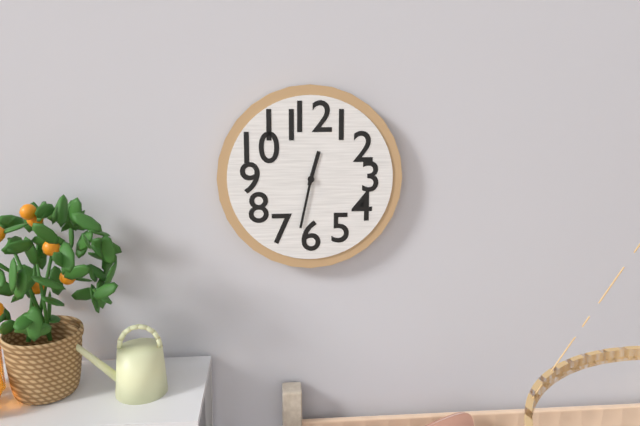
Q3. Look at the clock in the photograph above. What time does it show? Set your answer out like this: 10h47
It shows 12h32
